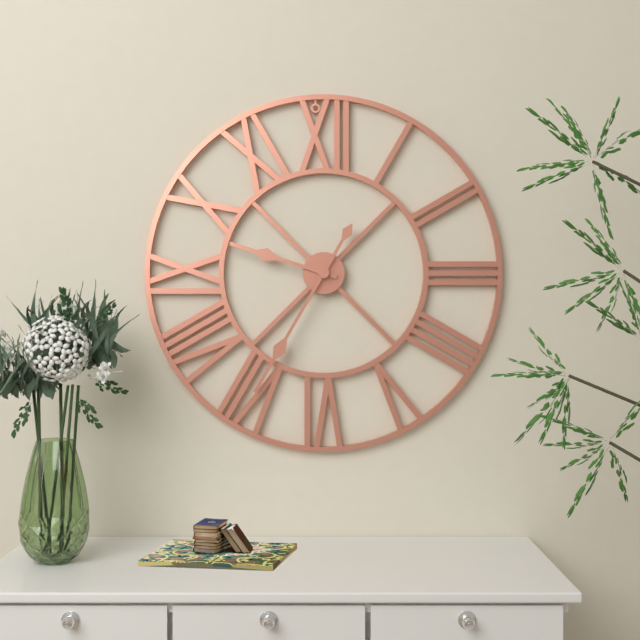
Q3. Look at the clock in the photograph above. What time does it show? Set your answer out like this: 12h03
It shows 9h35
